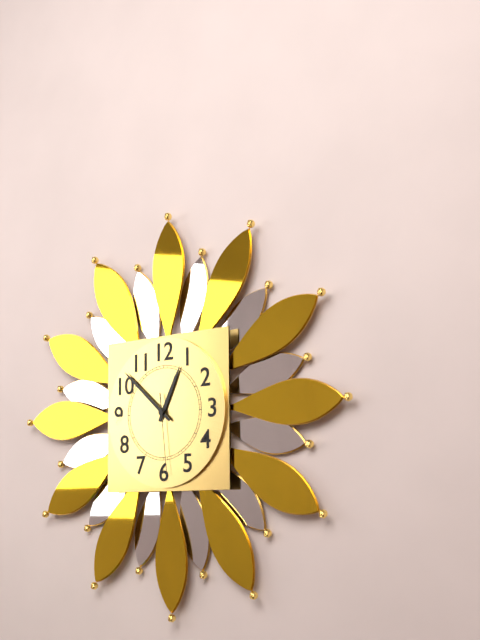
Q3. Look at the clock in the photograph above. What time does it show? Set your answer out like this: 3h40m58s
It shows 12h52m29s
